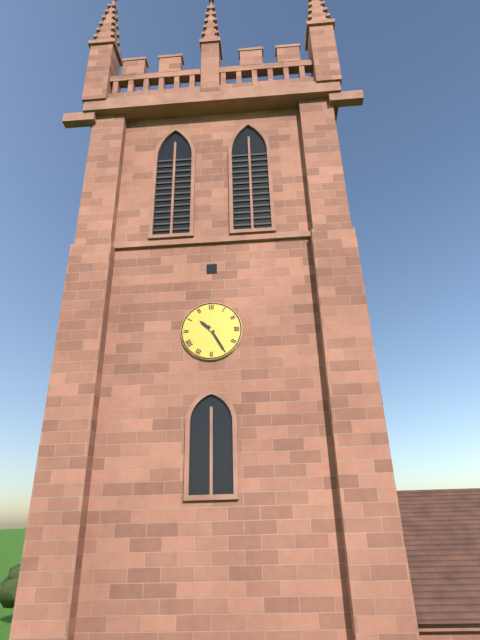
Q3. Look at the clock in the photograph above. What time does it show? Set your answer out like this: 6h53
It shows 10h25
